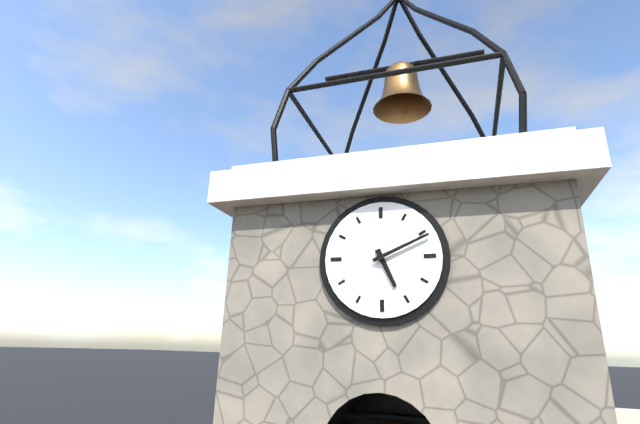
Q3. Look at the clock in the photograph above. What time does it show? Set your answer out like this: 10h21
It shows 5h11
